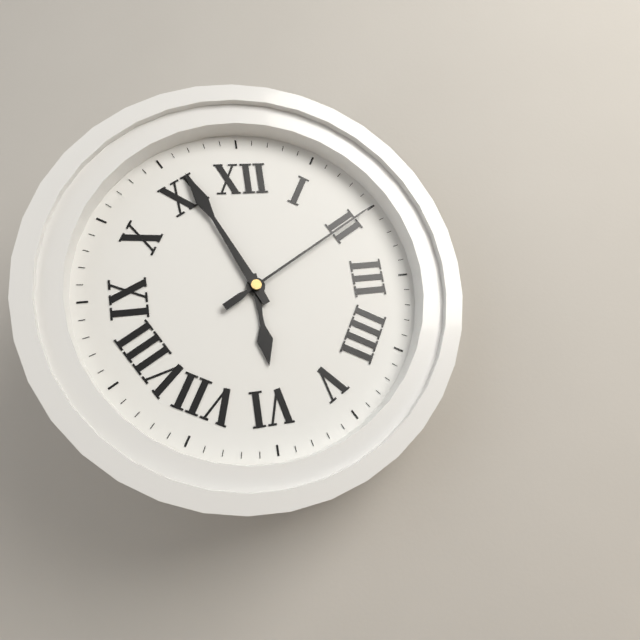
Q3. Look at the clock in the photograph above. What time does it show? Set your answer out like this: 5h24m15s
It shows 5h56m10s
